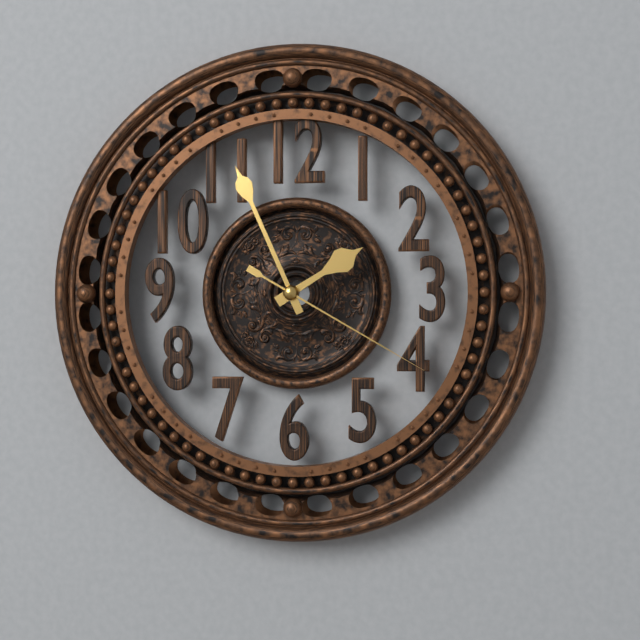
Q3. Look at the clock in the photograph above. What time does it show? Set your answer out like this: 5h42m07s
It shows 1h56m20s
